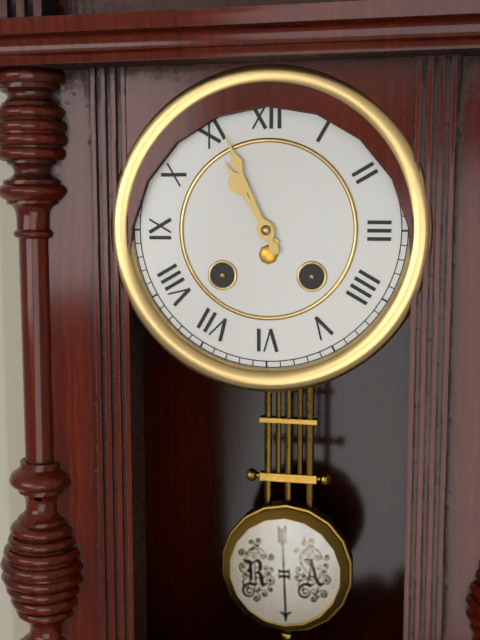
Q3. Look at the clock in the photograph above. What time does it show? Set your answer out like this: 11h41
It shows 10h56
